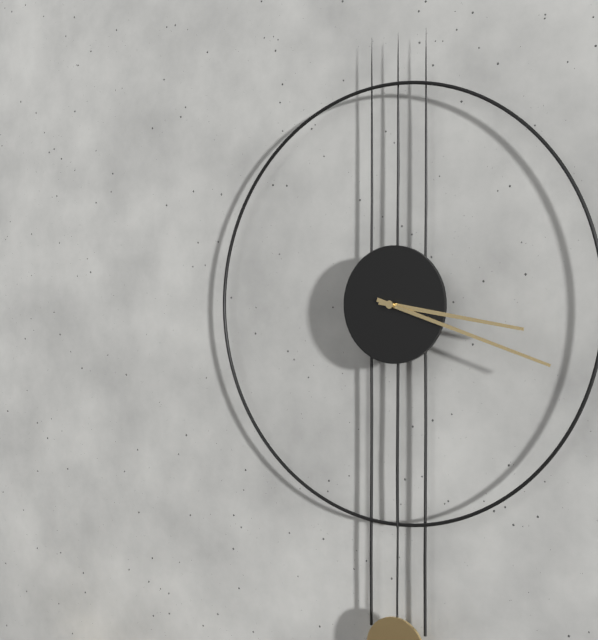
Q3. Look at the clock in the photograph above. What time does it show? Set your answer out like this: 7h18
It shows 3h18
